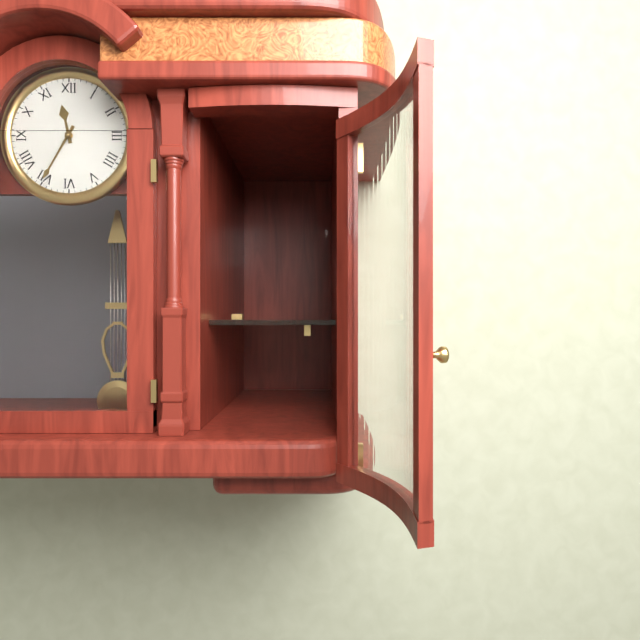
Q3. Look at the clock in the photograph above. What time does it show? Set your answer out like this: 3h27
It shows 11h35
